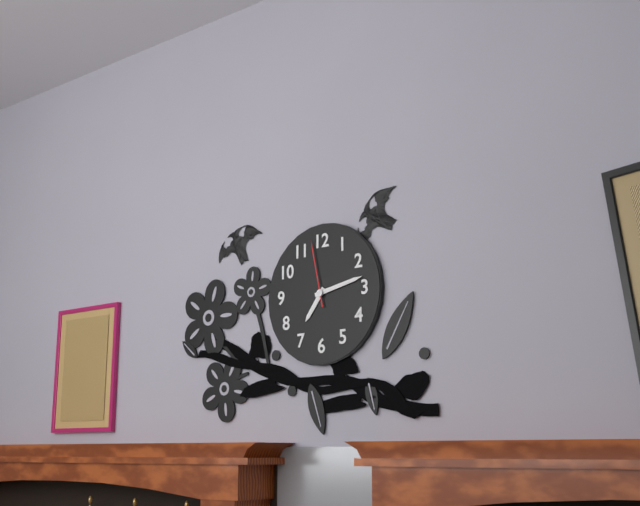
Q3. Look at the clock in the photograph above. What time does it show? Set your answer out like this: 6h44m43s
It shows 7h13m58s
